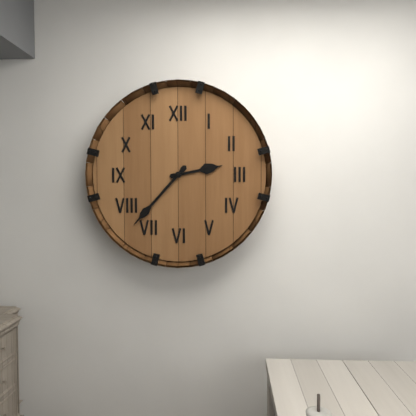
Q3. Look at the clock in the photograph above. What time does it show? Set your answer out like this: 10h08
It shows 2h37
